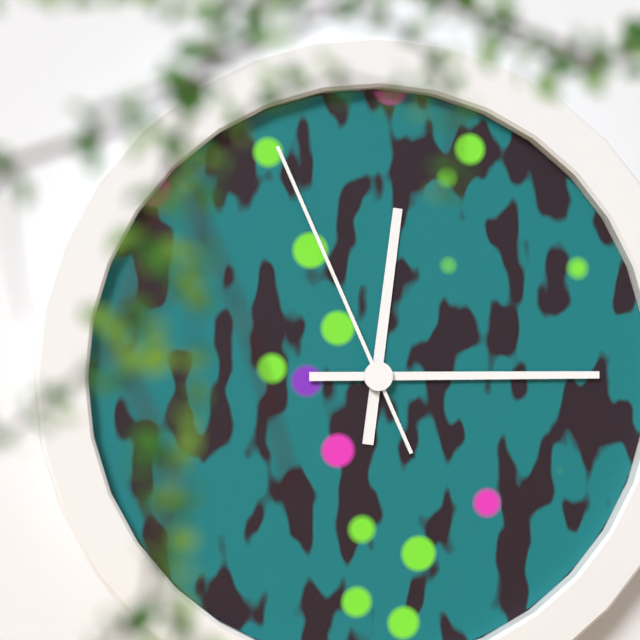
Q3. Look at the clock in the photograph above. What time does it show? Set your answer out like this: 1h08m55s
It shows 12h15m56s
